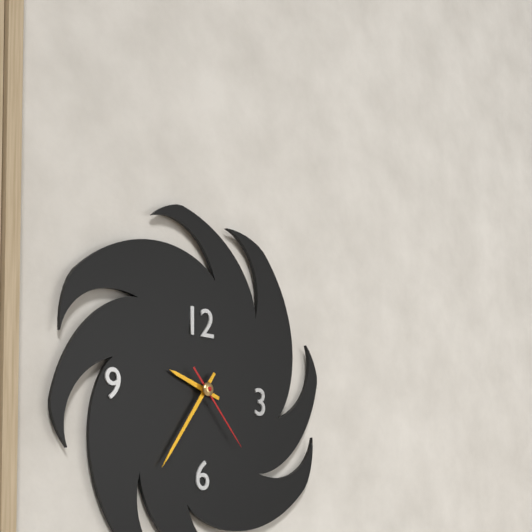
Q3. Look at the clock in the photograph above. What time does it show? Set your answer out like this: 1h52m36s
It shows 9h36m23s
